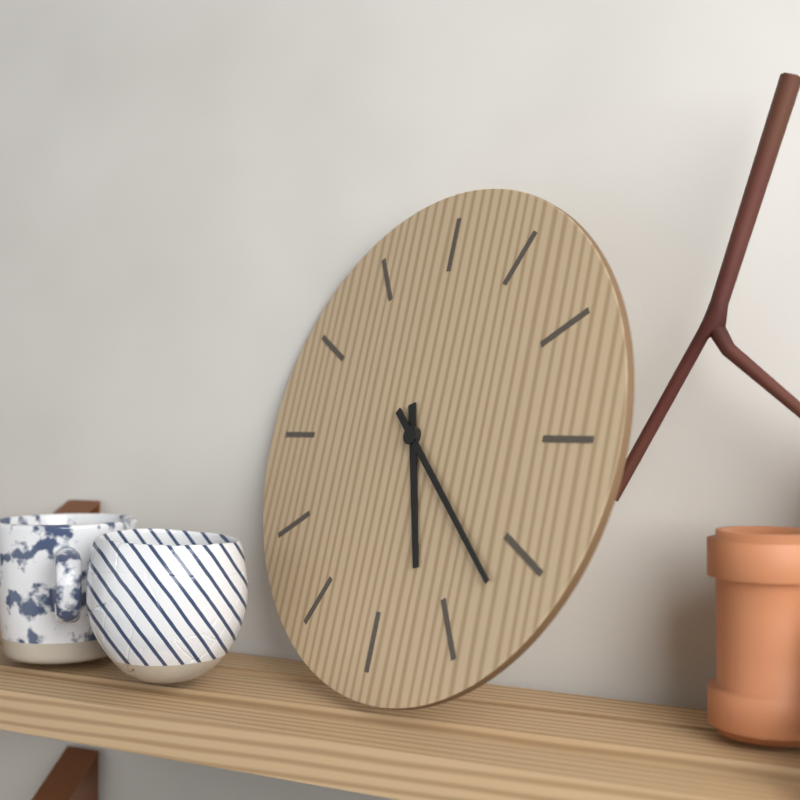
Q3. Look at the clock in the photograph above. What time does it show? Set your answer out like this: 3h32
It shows 5h22
